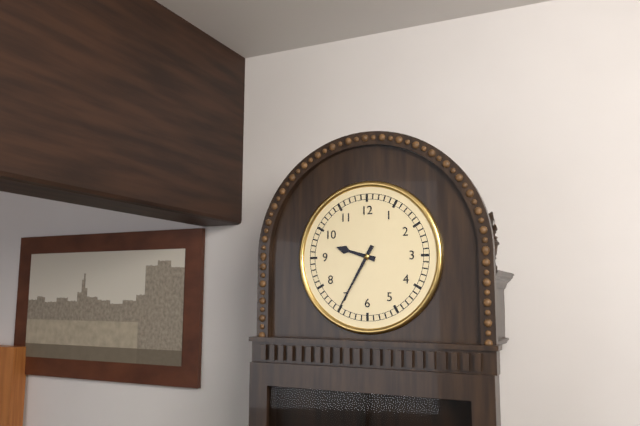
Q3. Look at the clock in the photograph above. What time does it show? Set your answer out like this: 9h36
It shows 9h35
